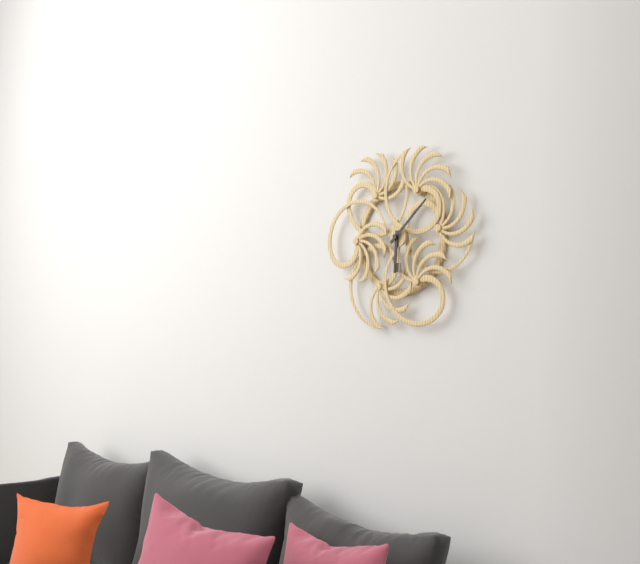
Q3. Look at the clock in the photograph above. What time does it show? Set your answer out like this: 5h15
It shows 6h08
